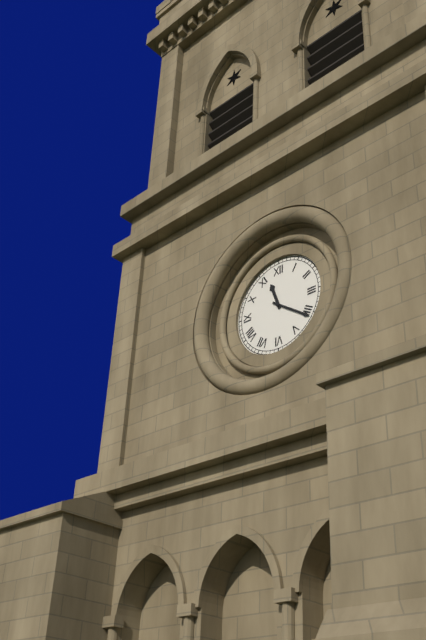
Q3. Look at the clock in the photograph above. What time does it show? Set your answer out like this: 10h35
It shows 11h21
